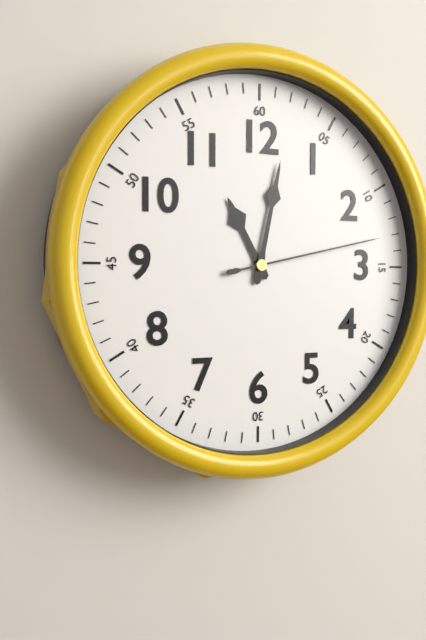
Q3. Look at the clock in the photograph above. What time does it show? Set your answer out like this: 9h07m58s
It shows 11h02m13s
